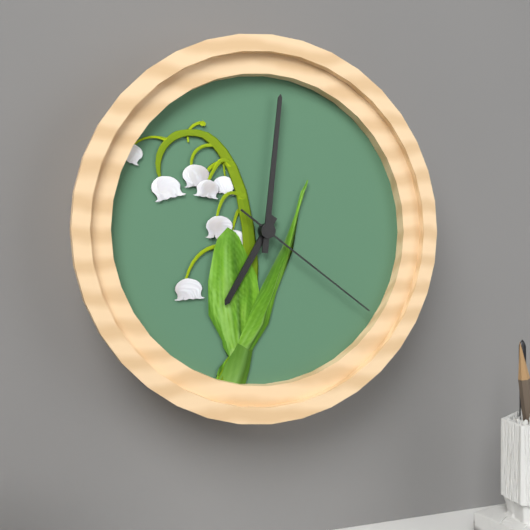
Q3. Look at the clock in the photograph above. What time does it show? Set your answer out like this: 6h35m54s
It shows 7h01m21s
